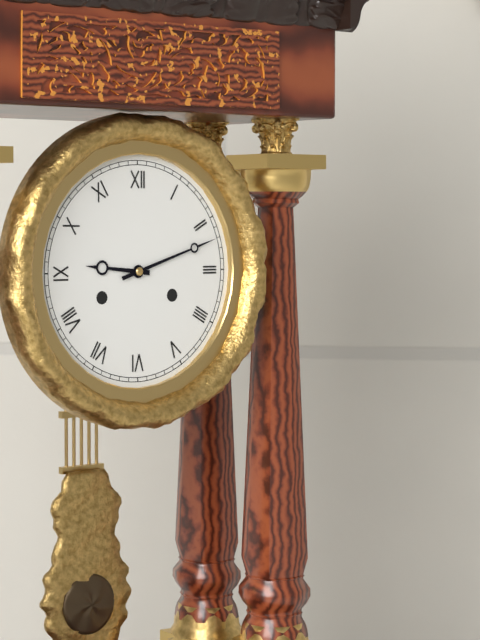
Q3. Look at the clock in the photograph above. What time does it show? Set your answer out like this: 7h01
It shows 9h12
